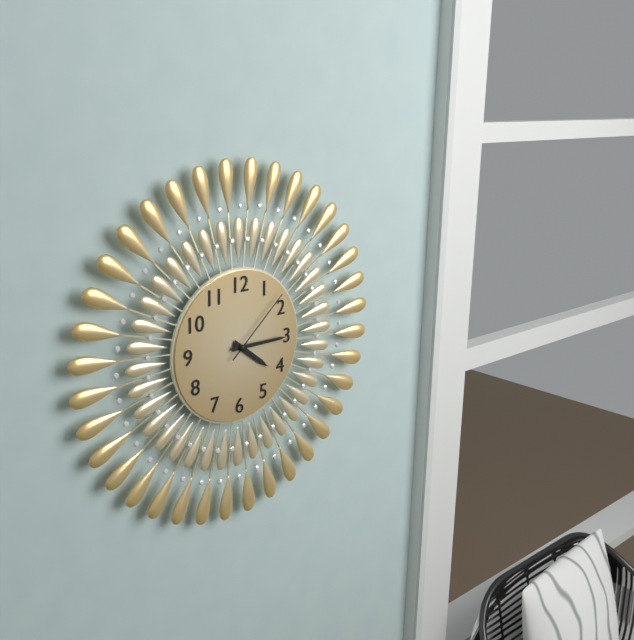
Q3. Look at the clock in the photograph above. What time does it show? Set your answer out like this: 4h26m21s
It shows 4h15m08s
